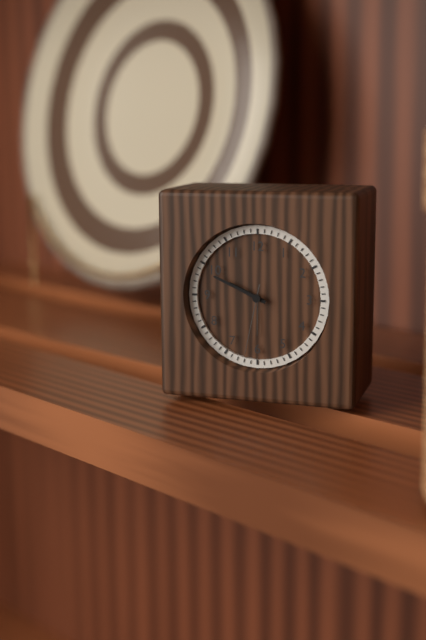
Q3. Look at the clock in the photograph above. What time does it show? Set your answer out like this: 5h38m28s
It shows 9h49m32s
